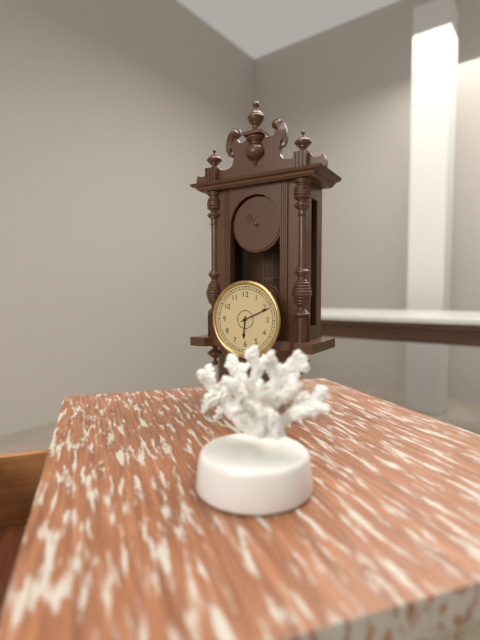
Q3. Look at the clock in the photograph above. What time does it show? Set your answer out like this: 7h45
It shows 6h11
